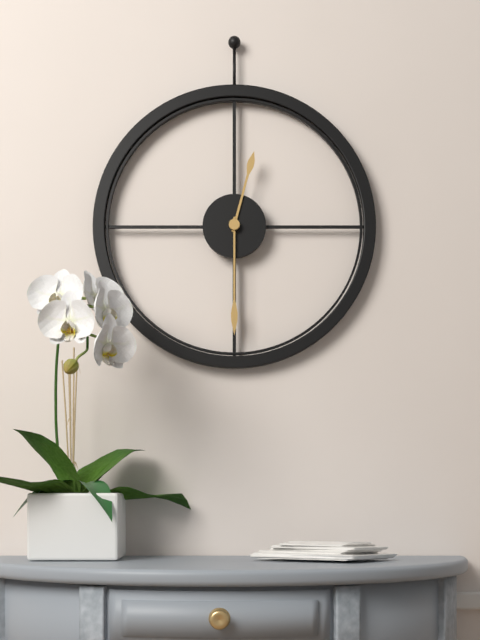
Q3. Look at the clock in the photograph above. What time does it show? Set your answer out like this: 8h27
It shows 12h30
